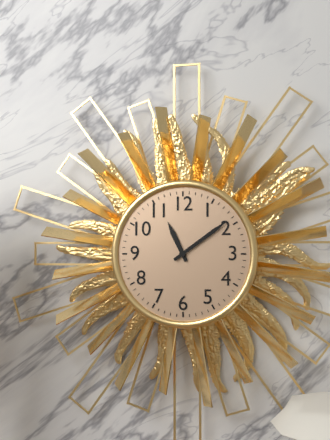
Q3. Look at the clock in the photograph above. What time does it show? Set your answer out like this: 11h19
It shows 11h09
